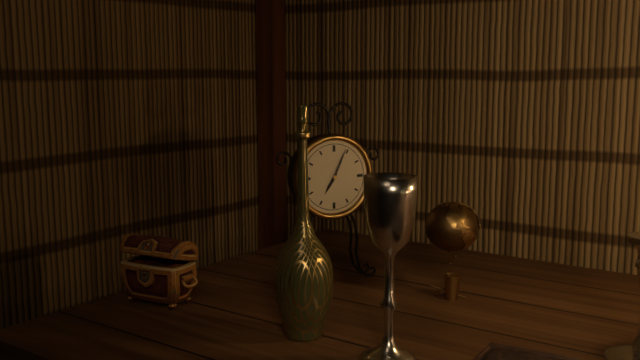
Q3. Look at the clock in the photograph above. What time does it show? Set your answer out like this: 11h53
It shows 7h04
